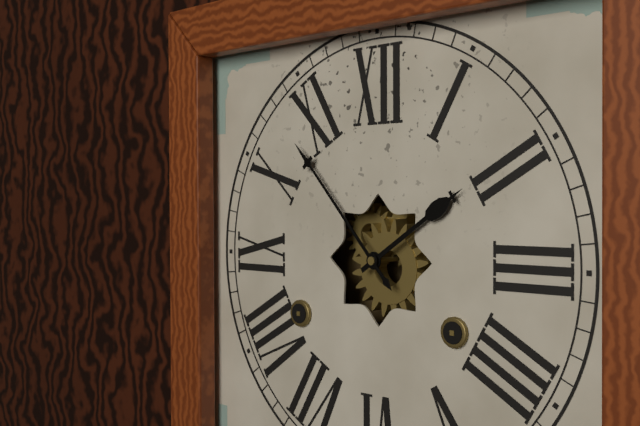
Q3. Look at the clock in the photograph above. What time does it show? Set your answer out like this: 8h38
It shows 1h53
